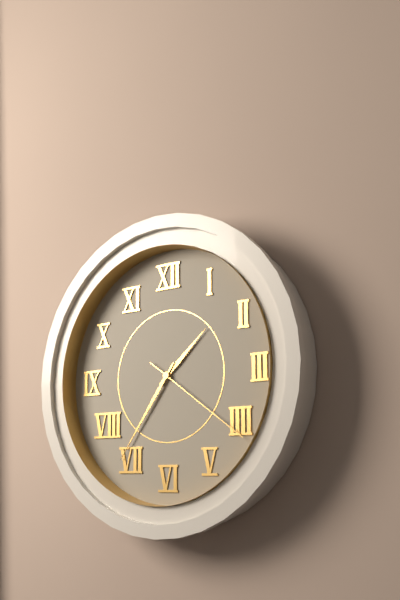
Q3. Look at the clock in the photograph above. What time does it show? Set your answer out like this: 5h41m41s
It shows 1h36m21s
